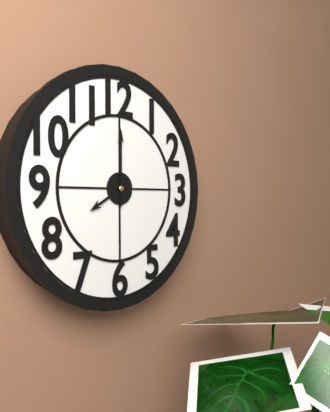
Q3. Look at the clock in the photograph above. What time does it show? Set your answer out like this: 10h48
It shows 8h00
